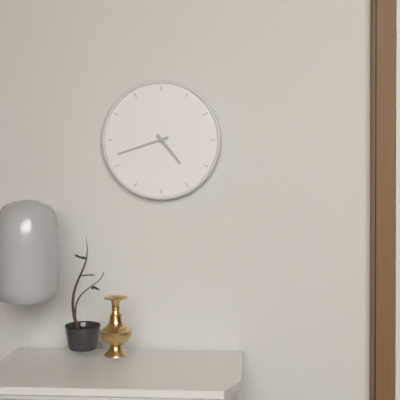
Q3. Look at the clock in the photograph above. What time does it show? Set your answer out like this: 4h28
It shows 4h42
